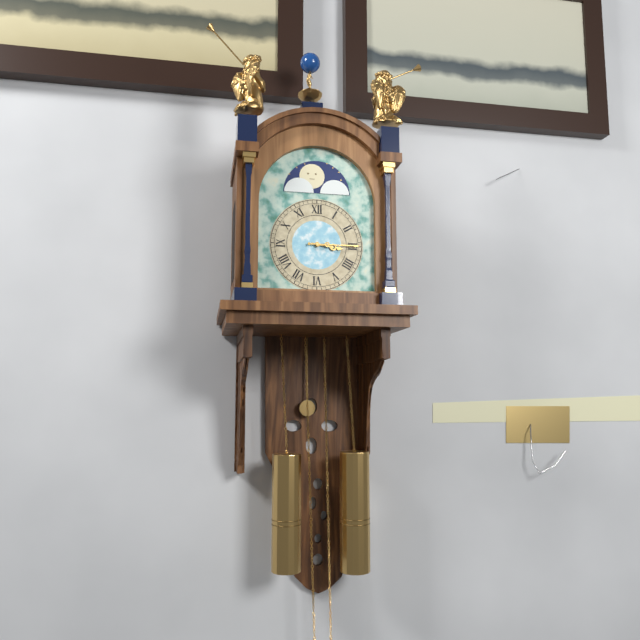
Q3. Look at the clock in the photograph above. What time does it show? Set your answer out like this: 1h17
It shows 3h15
